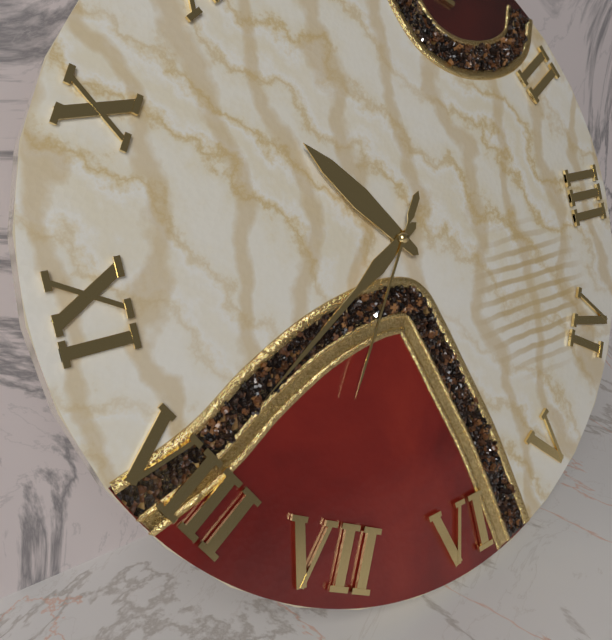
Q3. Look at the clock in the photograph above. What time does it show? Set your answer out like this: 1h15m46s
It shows 10h40m36s
